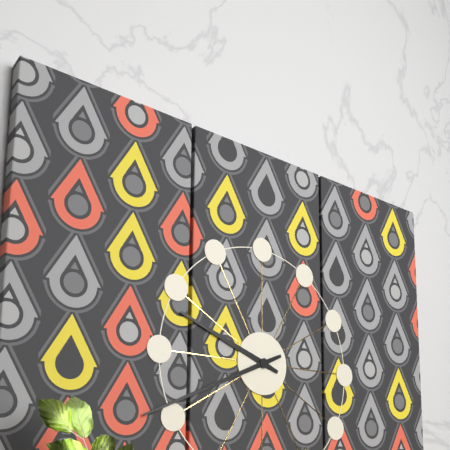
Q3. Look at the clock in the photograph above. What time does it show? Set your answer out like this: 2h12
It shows 9h41
